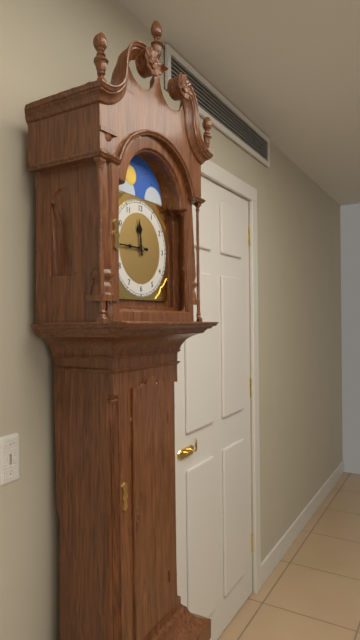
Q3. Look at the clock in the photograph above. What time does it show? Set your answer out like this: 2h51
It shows 11h45
